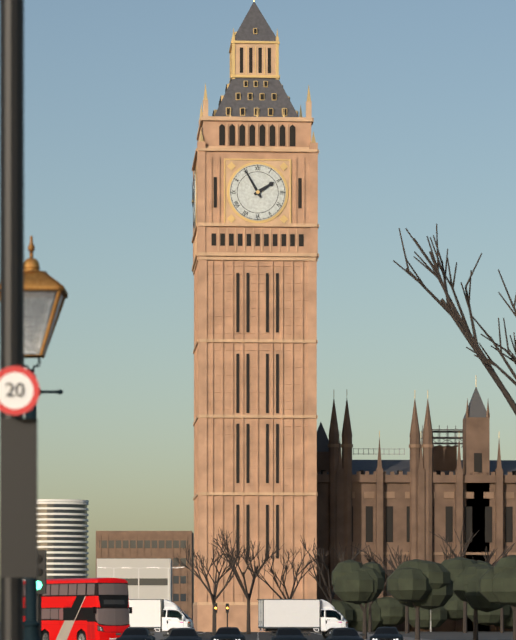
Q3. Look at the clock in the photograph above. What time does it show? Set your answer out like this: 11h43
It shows 1h55
